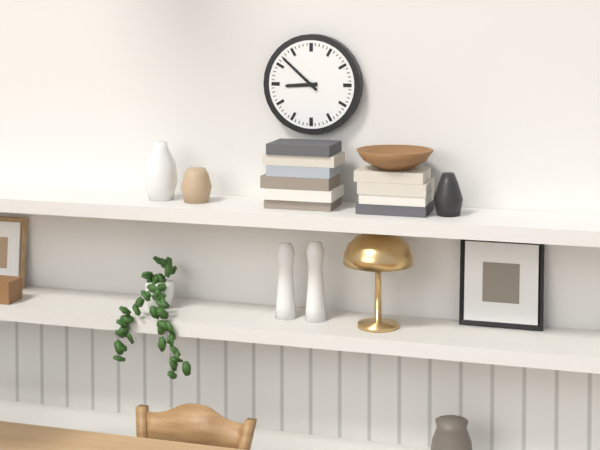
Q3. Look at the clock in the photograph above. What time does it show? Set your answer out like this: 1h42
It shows 8h52
